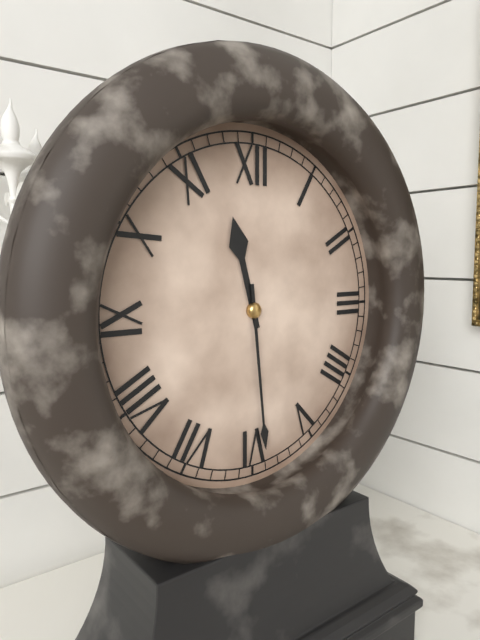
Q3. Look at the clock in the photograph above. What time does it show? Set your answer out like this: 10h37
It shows 11h29
